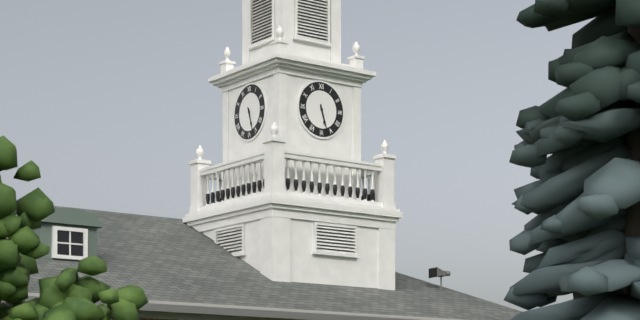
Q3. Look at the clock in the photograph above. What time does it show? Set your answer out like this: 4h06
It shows 5h27
